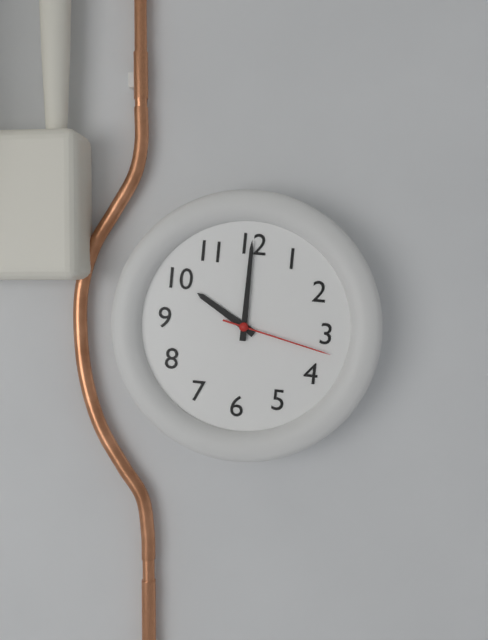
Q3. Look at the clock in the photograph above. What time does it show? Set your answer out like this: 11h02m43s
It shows 10h00m17s
